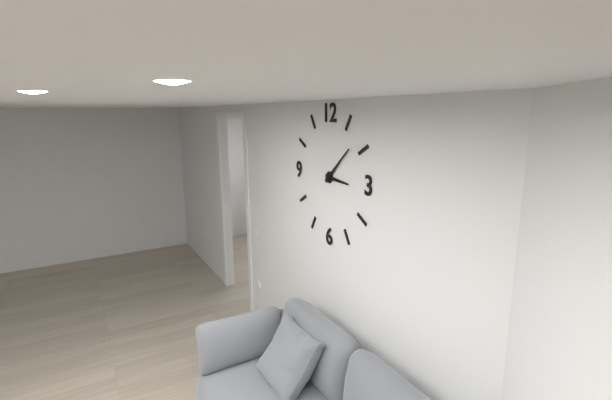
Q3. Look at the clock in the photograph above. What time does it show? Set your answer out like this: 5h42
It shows 3h08
